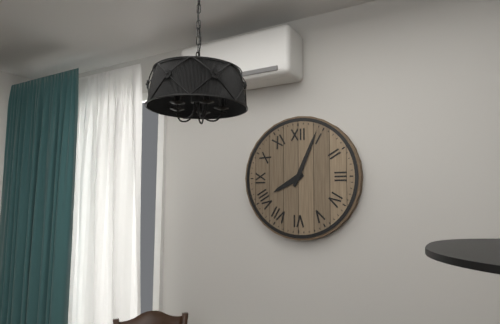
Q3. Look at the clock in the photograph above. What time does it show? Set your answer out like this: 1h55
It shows 8h04
